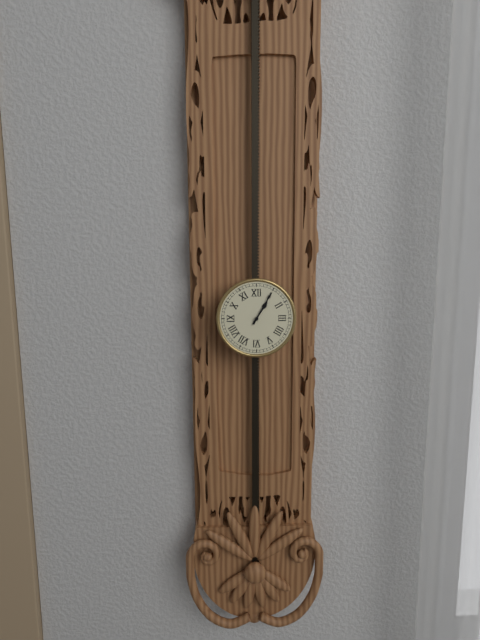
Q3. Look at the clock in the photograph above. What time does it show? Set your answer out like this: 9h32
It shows 1h05
